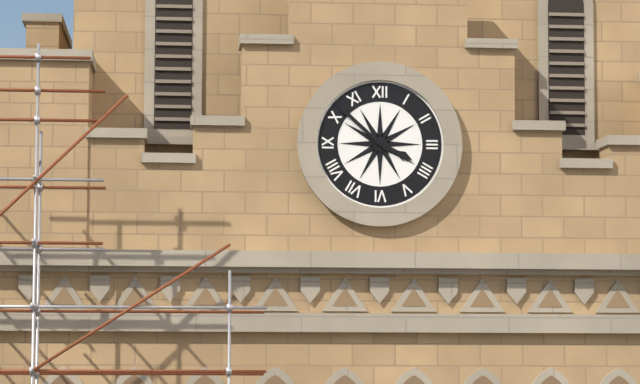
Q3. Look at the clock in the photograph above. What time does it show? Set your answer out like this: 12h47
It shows 3h52
